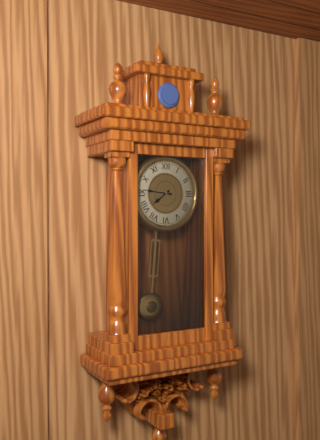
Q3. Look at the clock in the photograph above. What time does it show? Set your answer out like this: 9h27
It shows 7h46
